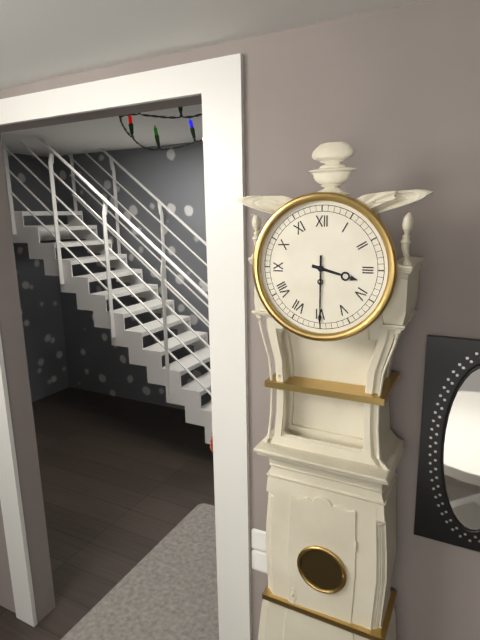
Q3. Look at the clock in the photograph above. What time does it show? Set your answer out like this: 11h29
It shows 3h30
